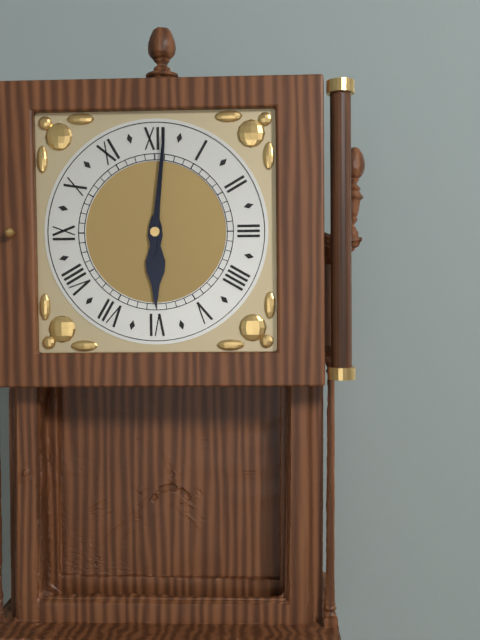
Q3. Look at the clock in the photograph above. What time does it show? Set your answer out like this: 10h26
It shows 6h01
